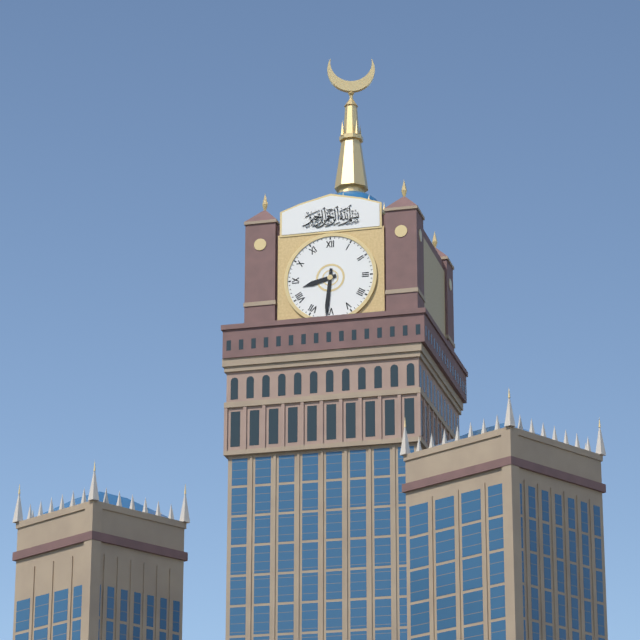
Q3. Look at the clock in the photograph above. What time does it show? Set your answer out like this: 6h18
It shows 8h31
